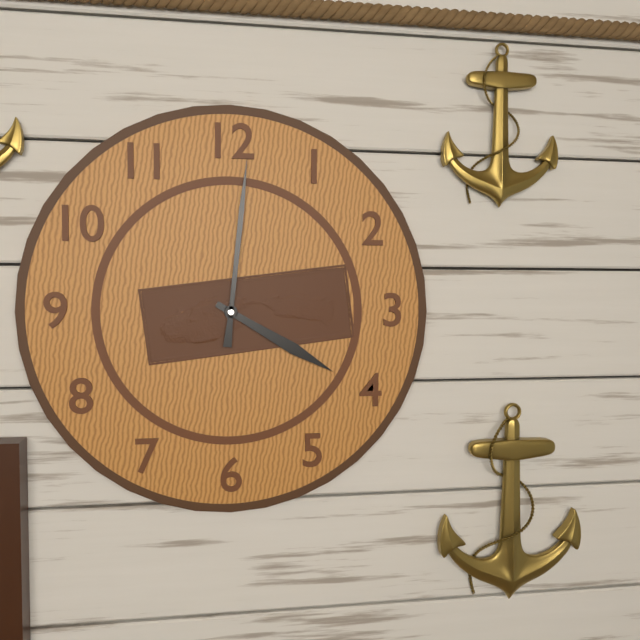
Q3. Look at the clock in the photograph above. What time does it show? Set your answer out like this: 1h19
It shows 4h01
